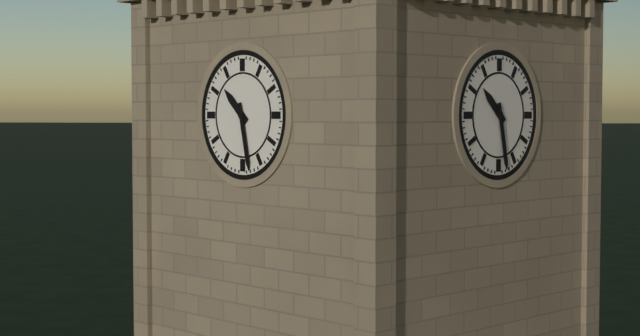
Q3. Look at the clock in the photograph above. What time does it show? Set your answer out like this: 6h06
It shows 10h28
